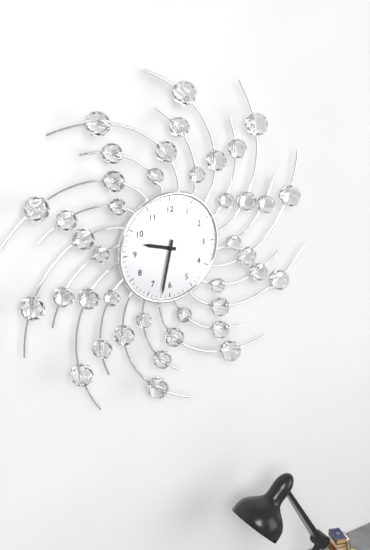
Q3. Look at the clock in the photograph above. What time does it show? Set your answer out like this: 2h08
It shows 9h32
